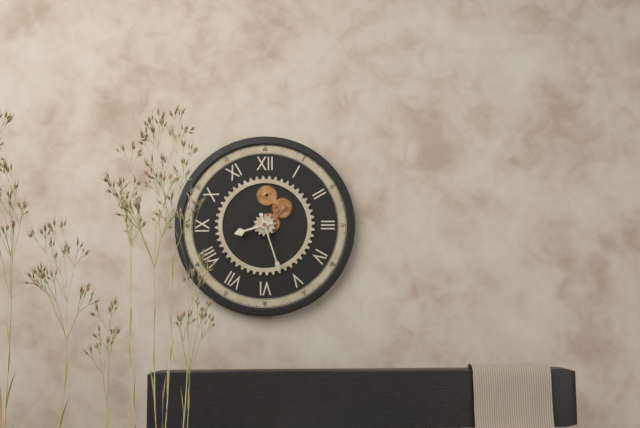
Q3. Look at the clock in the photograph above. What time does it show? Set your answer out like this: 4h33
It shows 8h27
